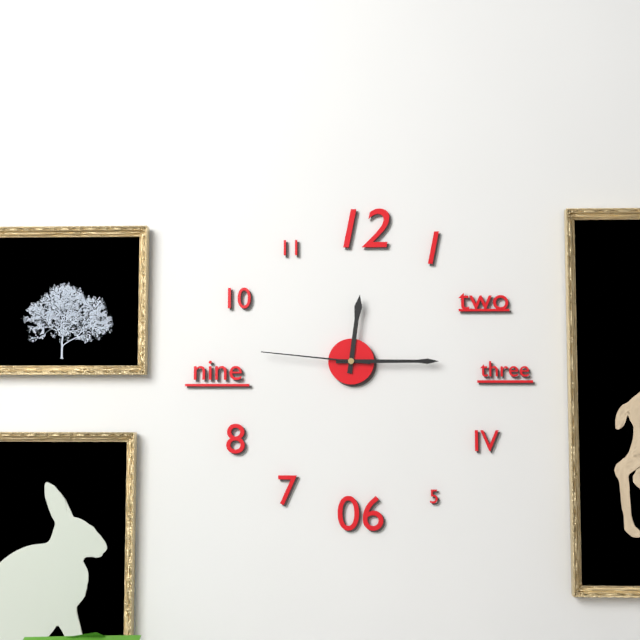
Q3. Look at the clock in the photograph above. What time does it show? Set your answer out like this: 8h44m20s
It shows 12h15m46s
